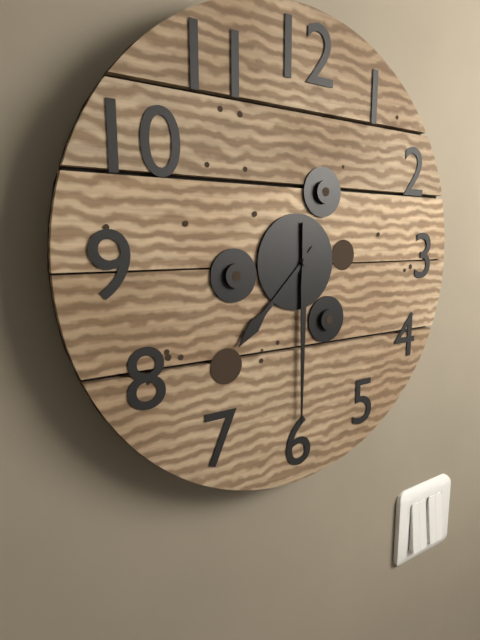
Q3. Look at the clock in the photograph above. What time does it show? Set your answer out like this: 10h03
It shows 7h30
